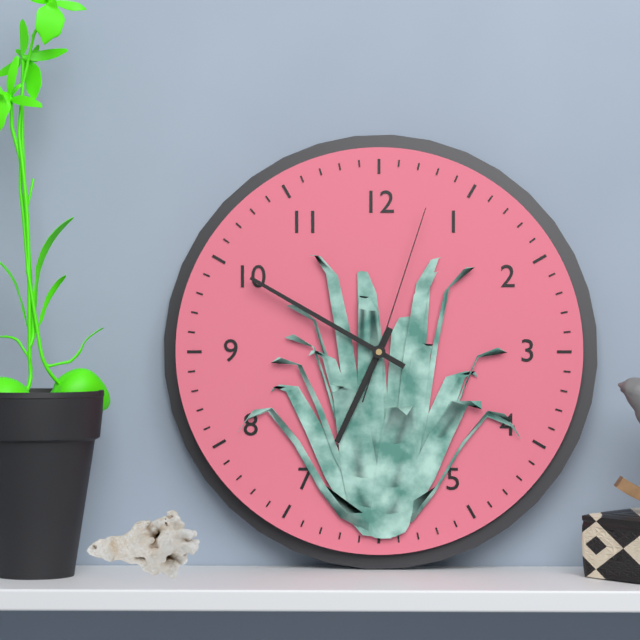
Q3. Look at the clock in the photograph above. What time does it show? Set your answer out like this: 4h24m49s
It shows 6h50m03s
